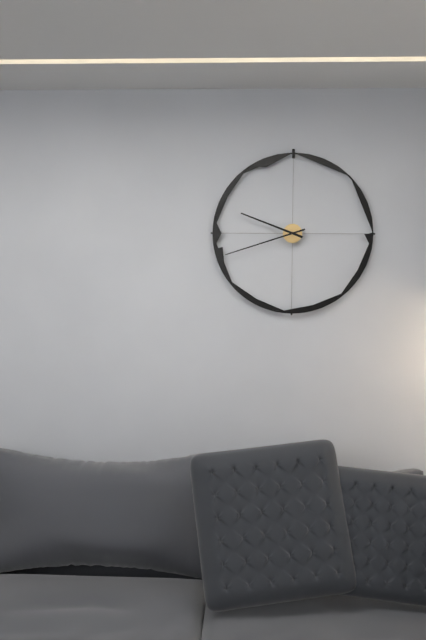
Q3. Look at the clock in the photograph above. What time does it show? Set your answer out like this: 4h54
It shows 9h42
